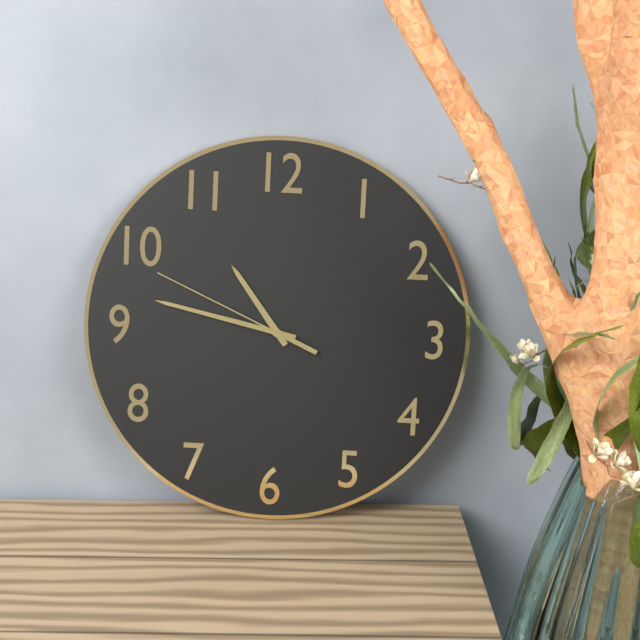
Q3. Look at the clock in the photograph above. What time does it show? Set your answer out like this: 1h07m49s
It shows 10h47m49s
